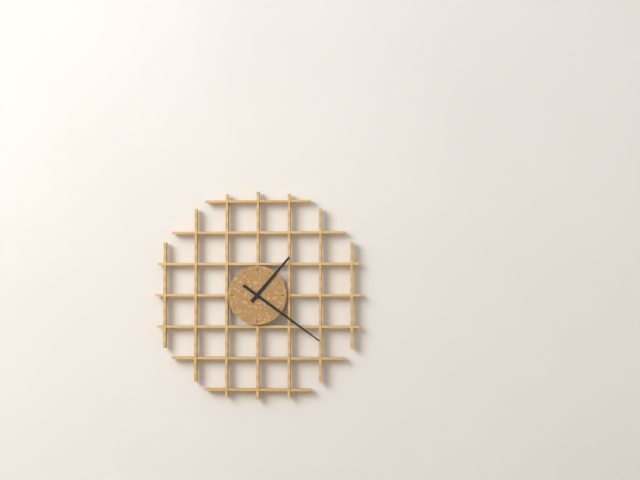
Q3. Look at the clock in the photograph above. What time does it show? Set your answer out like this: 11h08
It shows 1h21
